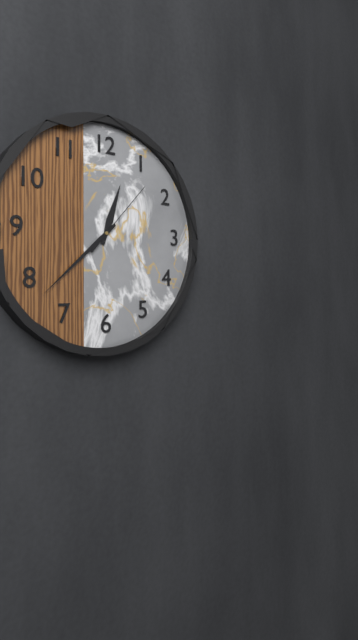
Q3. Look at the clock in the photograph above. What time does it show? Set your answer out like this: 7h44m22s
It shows 12h38m07s
